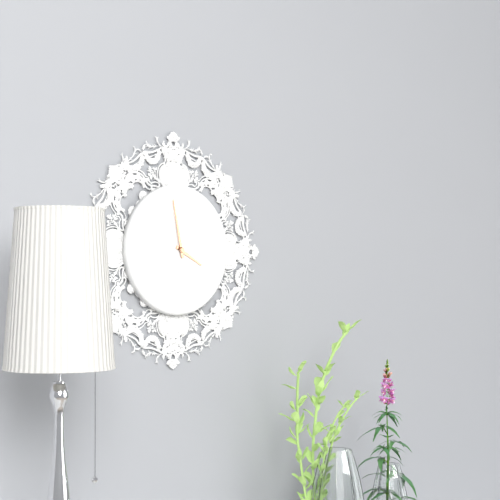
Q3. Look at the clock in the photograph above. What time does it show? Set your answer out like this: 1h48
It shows 3h58
